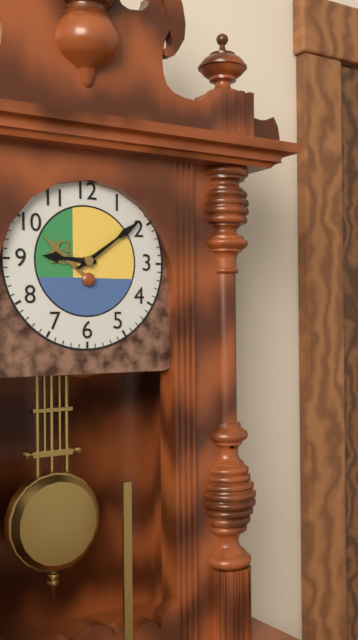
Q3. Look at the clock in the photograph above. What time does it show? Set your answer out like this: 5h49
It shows 9h09
